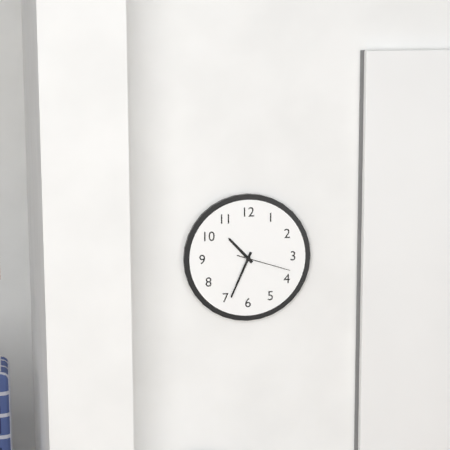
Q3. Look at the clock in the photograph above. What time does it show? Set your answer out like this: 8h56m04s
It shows 10h34m18s
